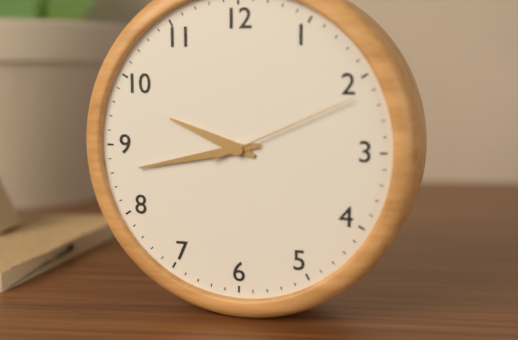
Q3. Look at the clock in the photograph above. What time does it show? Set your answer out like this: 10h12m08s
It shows 9h43m11s
